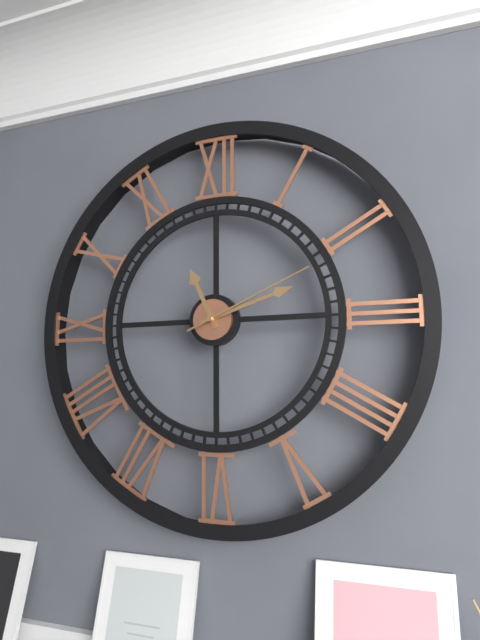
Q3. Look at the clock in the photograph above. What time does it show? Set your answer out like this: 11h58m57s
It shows 11h12m11s
